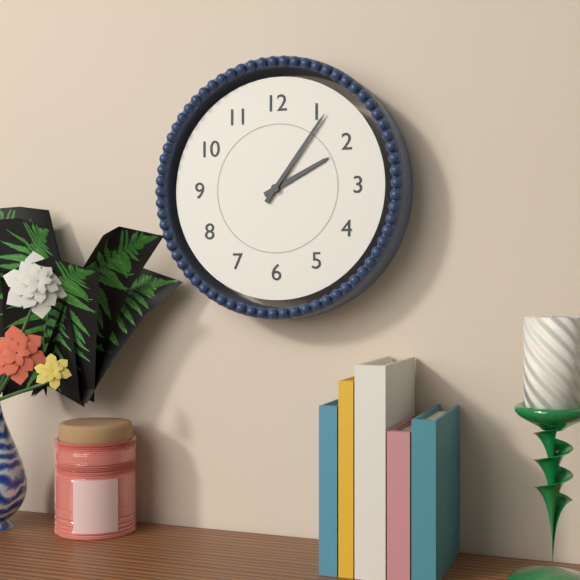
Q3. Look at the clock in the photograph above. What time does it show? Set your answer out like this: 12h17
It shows 2h06
